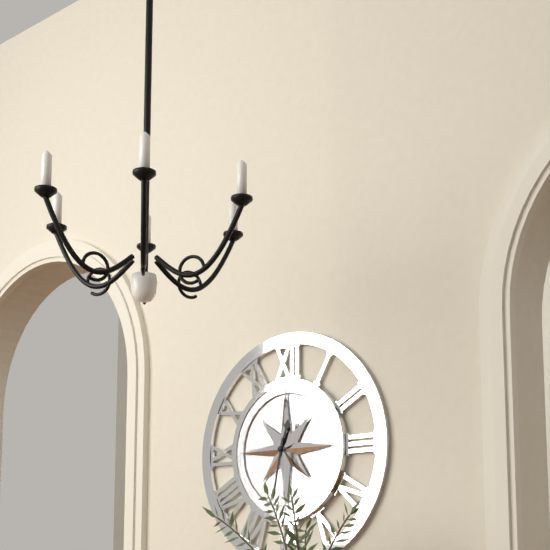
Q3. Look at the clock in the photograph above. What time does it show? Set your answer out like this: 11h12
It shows 12h32
